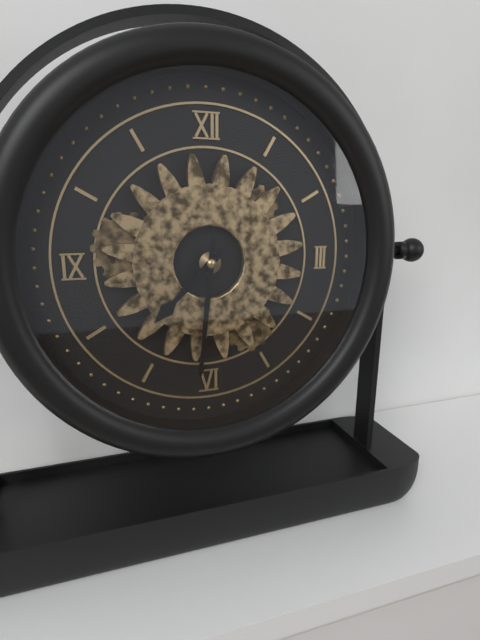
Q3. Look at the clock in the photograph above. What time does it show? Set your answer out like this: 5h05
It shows 7h31
